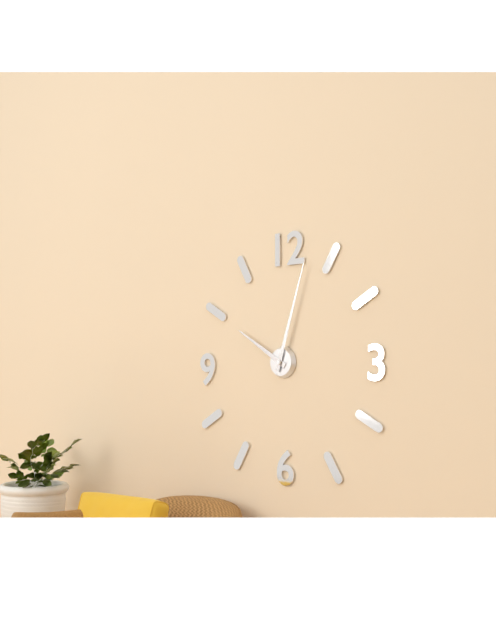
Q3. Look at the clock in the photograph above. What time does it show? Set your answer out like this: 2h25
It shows 10h03
